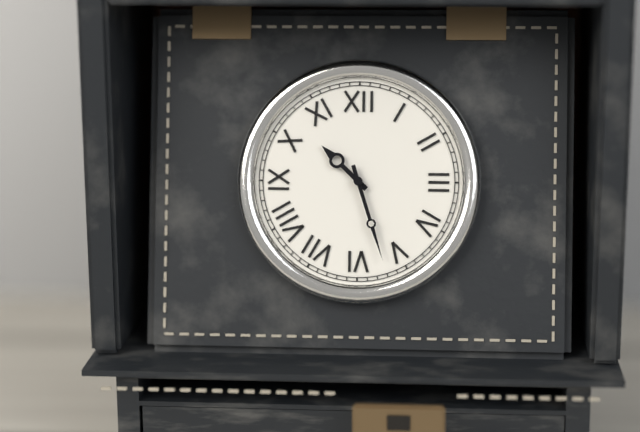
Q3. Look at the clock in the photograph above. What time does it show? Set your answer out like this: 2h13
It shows 10h27
